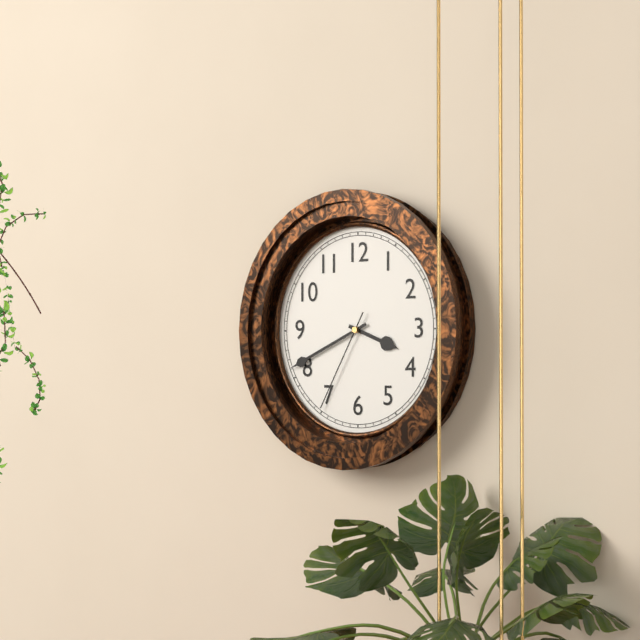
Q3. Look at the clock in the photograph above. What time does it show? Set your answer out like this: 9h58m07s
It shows 3h41m35s
